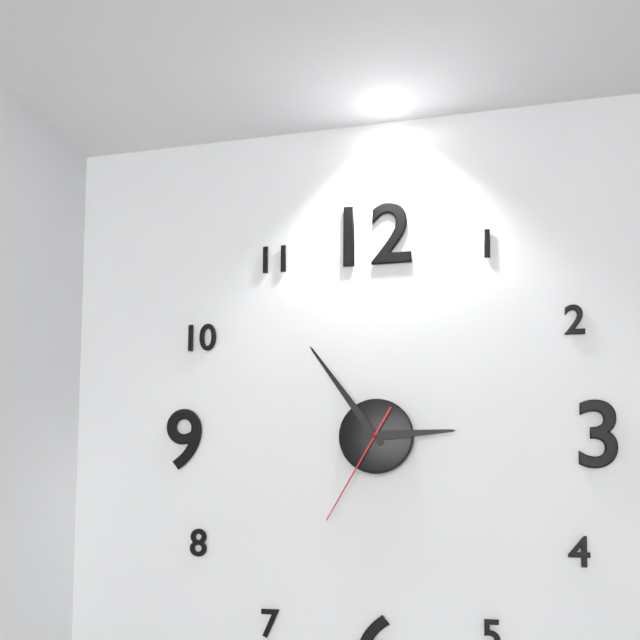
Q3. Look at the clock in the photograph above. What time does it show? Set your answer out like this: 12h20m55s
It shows 2h54m35s
